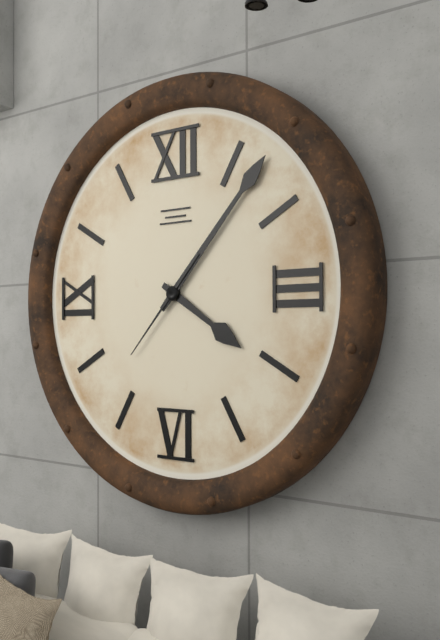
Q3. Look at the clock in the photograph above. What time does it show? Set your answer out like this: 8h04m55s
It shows 4h07m37s
